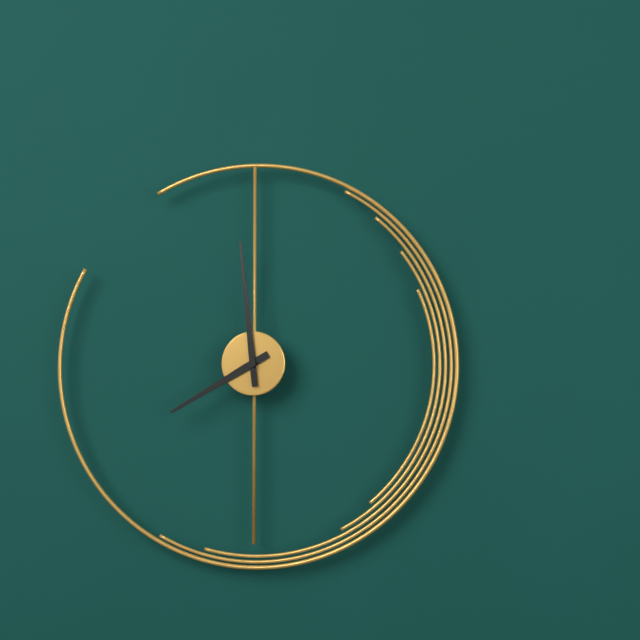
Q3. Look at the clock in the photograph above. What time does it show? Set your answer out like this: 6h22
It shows 7h59
